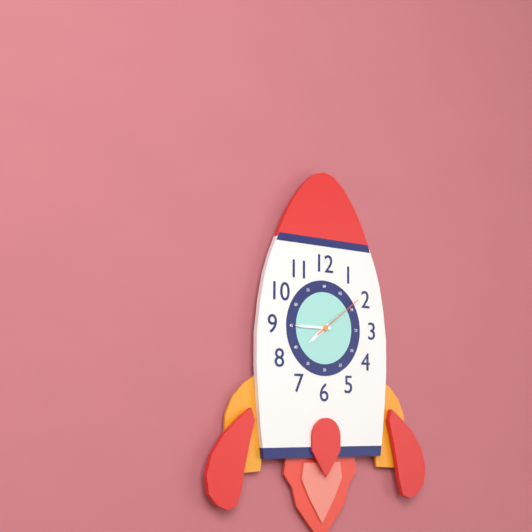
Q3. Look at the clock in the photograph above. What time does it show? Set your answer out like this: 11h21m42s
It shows 7h45m09s
